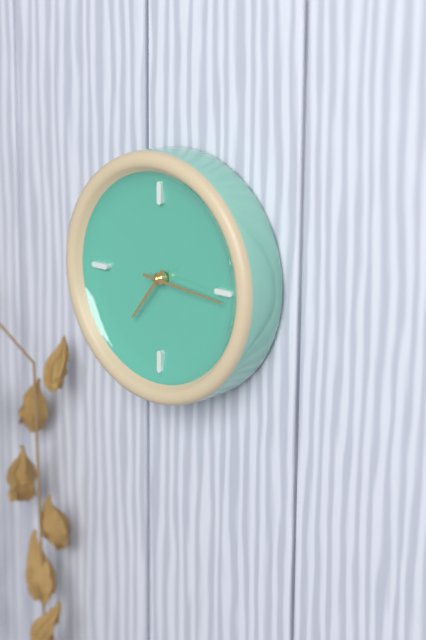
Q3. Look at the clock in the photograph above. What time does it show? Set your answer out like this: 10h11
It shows 7h16
